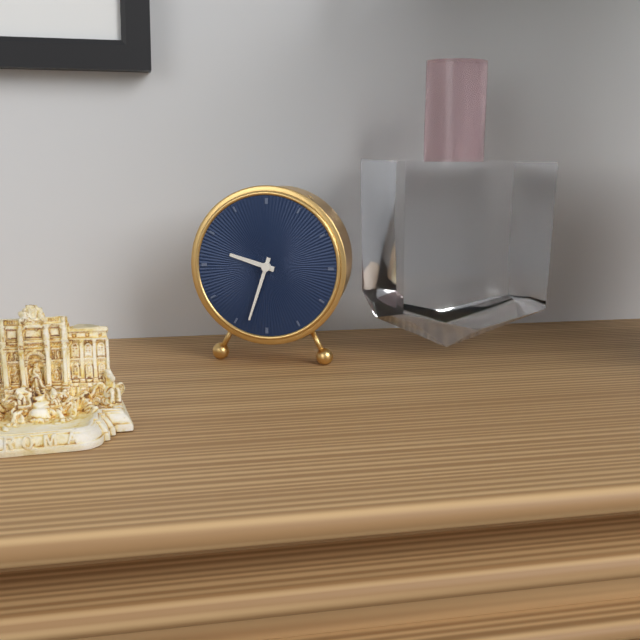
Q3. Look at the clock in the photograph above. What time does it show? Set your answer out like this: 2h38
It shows 9h33
